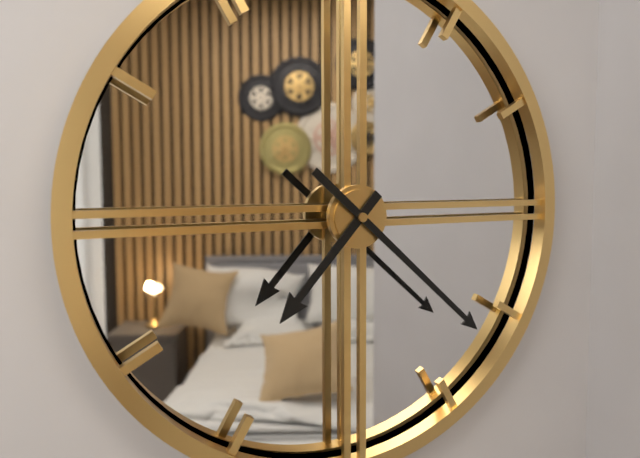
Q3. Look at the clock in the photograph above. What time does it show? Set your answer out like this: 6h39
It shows 7h22
